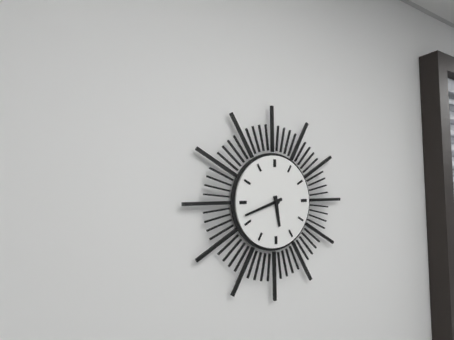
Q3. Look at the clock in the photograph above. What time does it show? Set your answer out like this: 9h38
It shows 5h42
